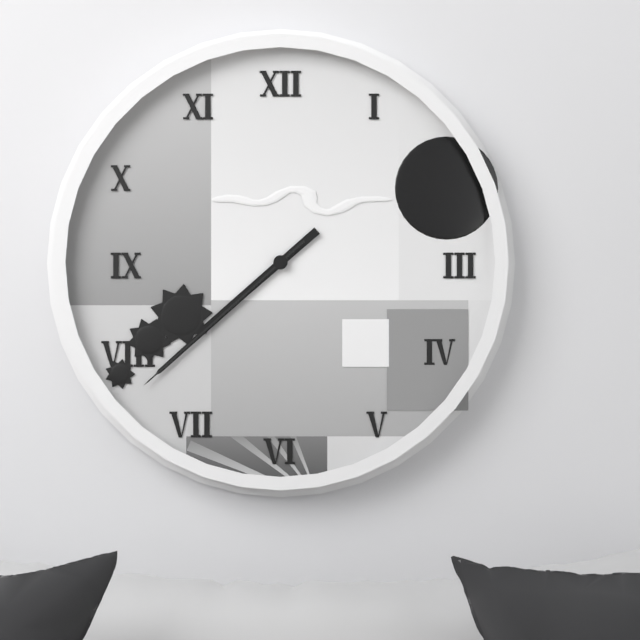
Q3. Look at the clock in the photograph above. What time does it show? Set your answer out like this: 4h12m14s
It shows 7h38m38s
